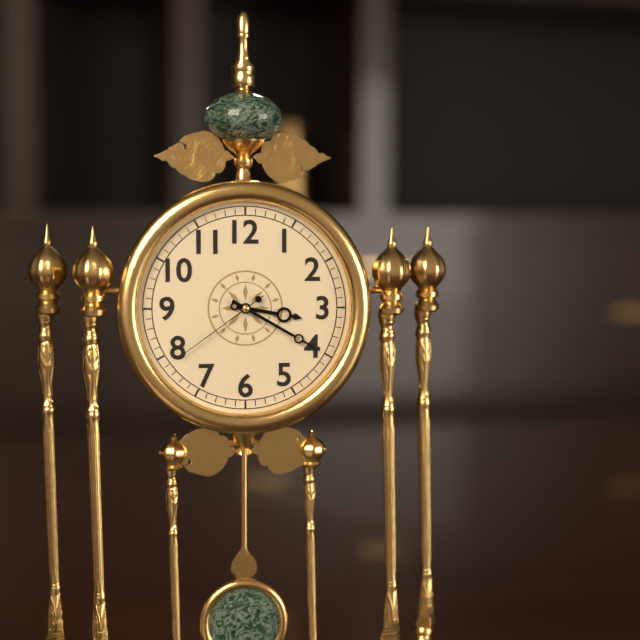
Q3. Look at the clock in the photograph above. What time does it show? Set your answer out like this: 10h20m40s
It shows 3h20m39s
